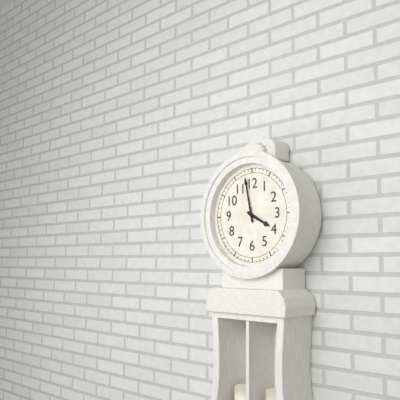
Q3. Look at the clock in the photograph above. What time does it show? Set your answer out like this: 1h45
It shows 3h58
